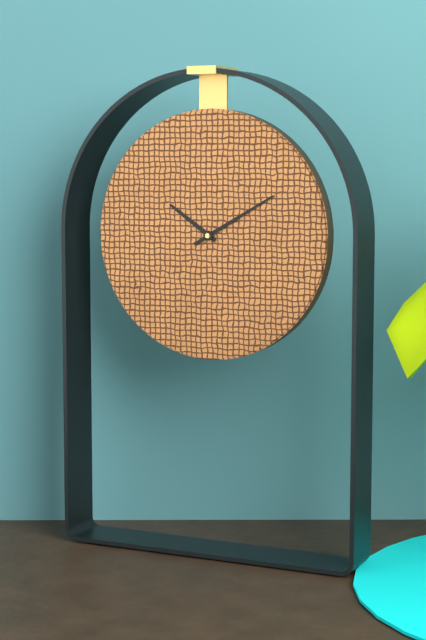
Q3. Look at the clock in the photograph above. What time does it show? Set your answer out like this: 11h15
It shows 10h10
